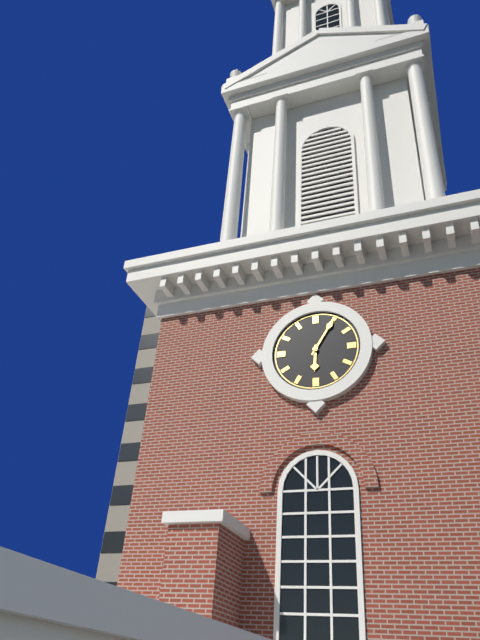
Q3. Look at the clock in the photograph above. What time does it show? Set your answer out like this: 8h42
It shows 6h05
